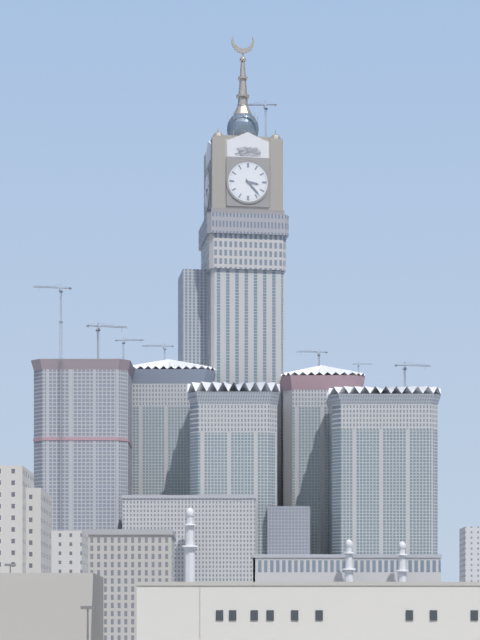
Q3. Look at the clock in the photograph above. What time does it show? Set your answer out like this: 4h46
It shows 3h23
